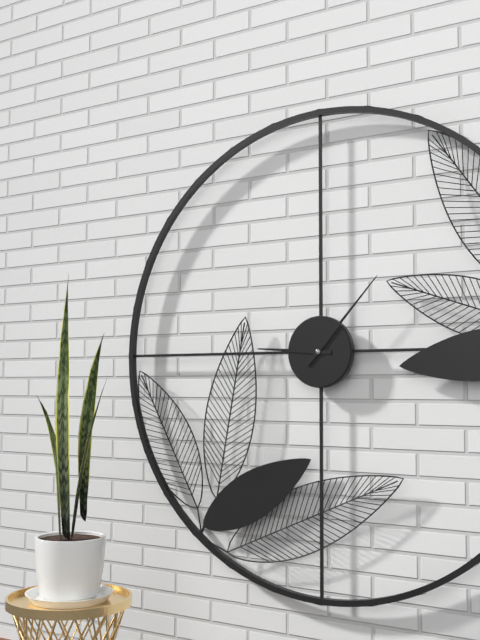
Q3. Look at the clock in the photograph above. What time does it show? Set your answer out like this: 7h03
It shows 9h07
